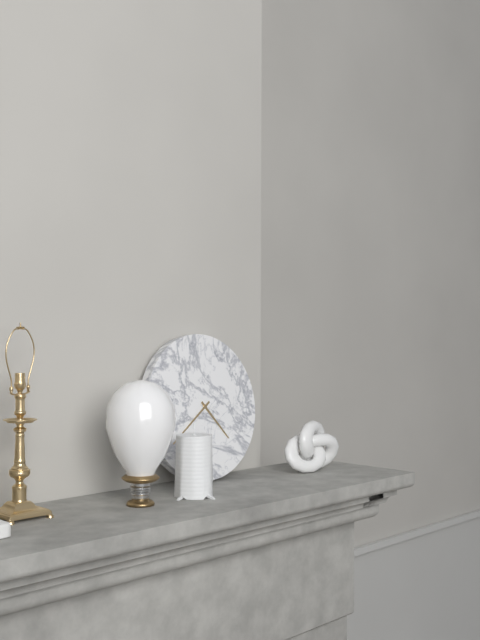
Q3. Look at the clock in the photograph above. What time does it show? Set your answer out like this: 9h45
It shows 4h39
